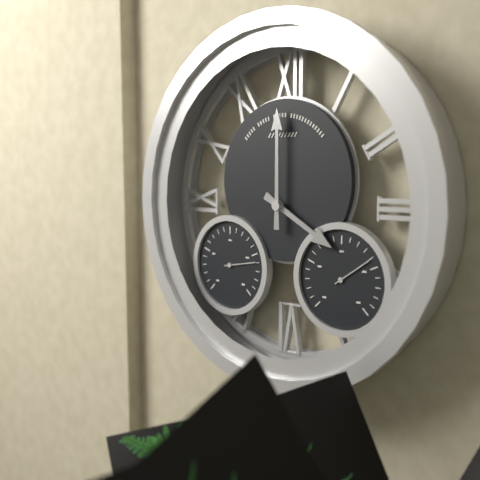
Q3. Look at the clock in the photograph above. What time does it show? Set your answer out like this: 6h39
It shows 4h00
